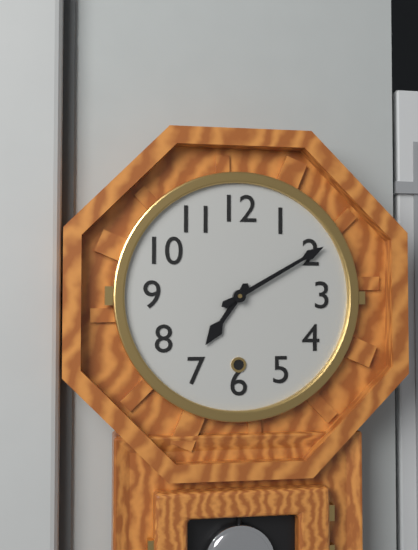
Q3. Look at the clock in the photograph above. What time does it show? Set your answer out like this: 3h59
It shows 7h10
